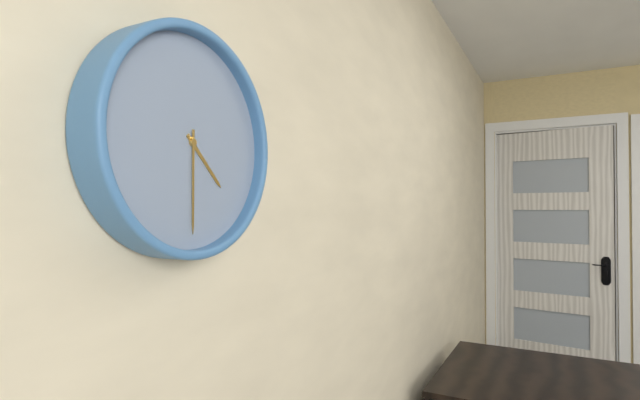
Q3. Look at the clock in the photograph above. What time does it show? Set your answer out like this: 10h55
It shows 4h30
